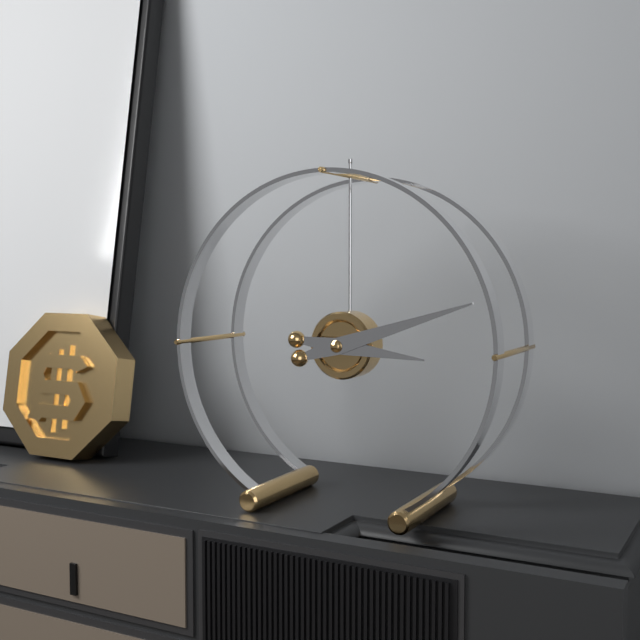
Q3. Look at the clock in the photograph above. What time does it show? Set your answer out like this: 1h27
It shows 3h12
